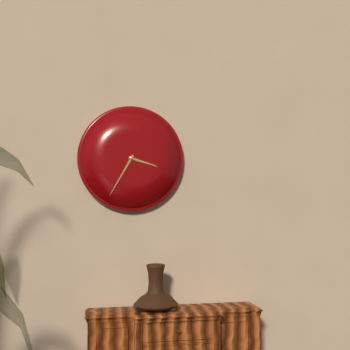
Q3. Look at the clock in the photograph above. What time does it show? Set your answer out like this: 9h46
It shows 3h35
